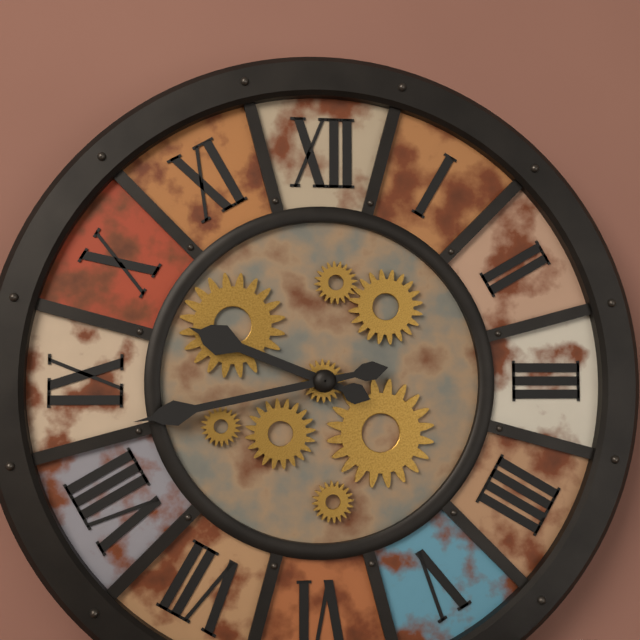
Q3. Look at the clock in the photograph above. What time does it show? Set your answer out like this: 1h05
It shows 9h43
